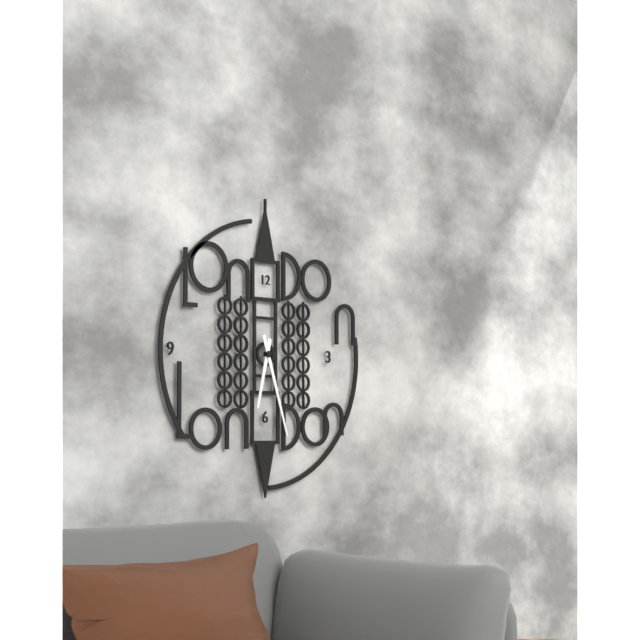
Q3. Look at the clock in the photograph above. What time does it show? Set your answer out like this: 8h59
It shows 6h27
